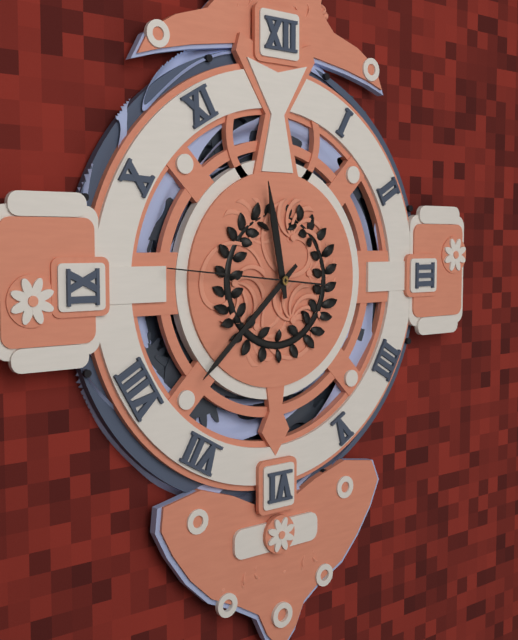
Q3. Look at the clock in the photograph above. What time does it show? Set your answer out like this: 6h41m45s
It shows 11h38m46s
